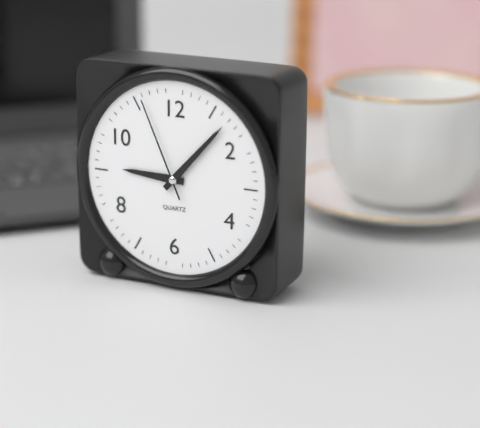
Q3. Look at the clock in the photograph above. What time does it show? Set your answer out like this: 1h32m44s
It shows 9h07m56s
